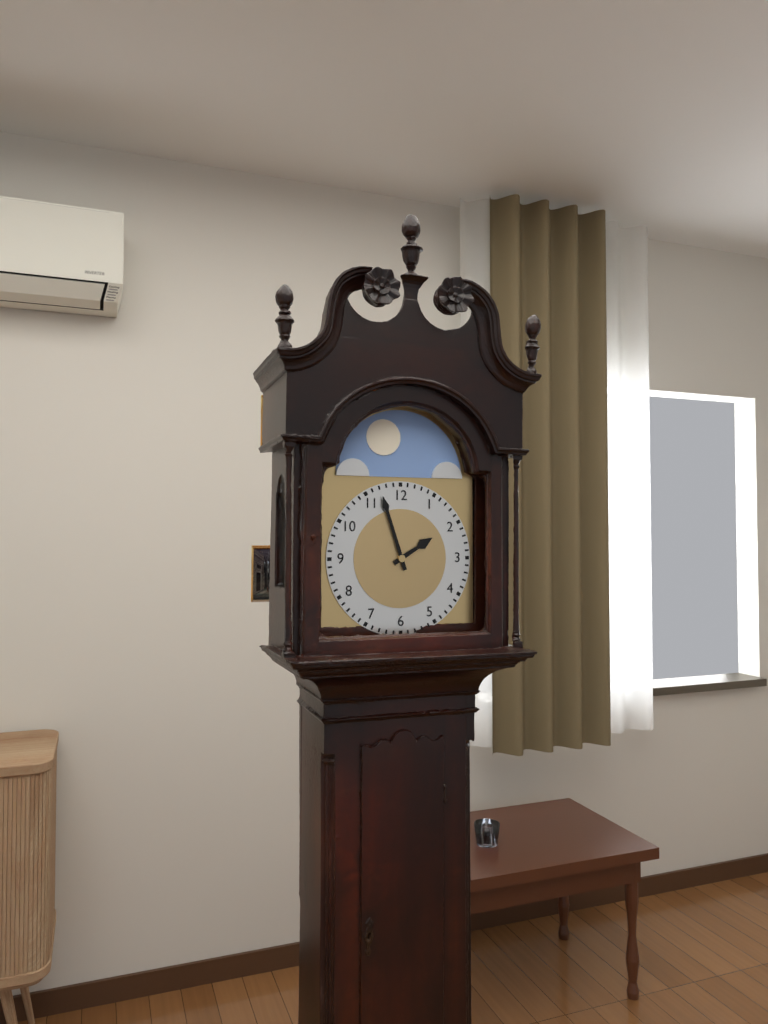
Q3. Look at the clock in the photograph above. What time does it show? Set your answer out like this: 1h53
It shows 1h57
